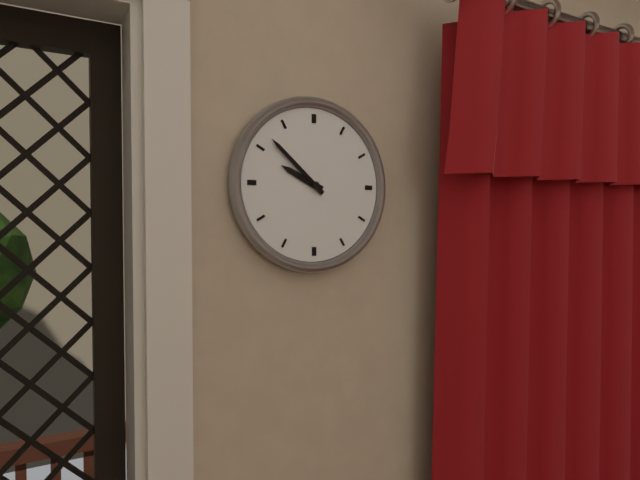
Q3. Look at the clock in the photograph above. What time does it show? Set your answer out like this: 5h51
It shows 9h52
